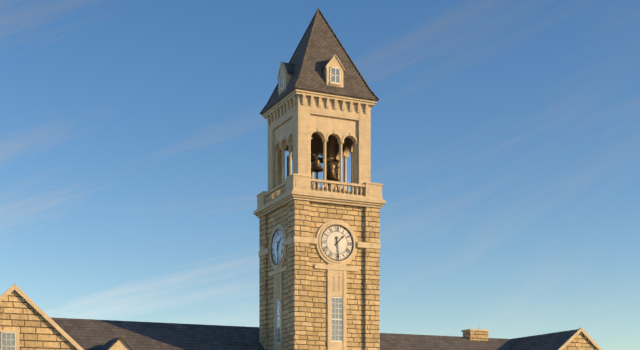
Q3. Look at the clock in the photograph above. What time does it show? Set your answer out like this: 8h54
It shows 1h29
